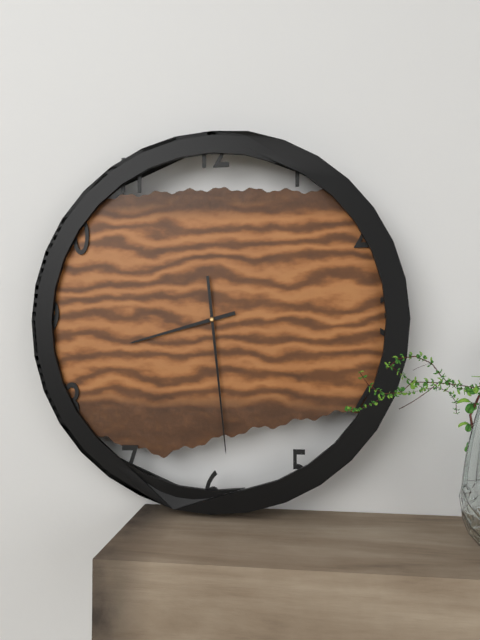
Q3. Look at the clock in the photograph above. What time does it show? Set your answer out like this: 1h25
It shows 8h29
